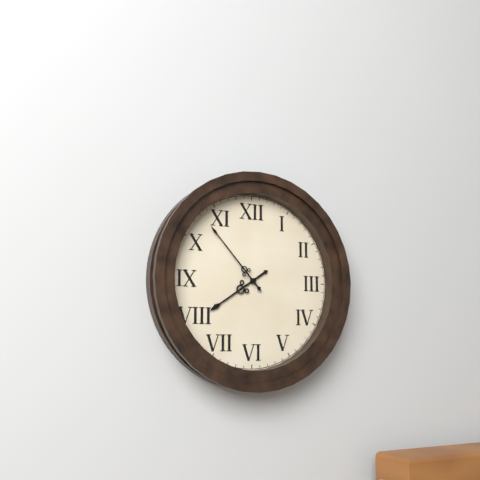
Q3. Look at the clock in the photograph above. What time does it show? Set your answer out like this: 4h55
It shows 7h53
